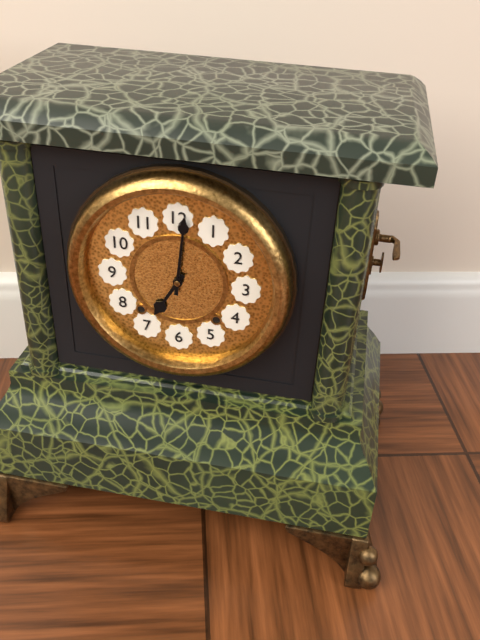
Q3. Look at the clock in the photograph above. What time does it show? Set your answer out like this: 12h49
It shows 7h01
